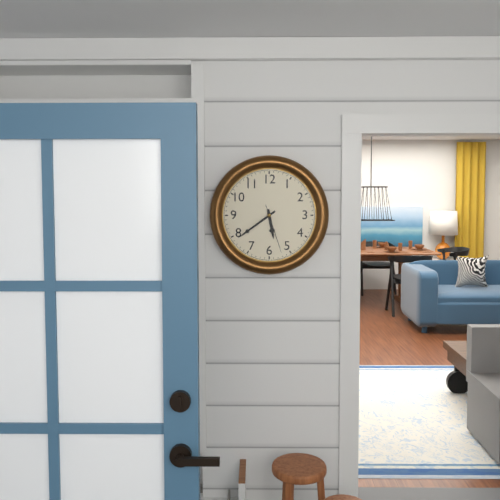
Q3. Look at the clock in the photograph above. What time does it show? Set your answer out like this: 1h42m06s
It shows 5h39m27s
